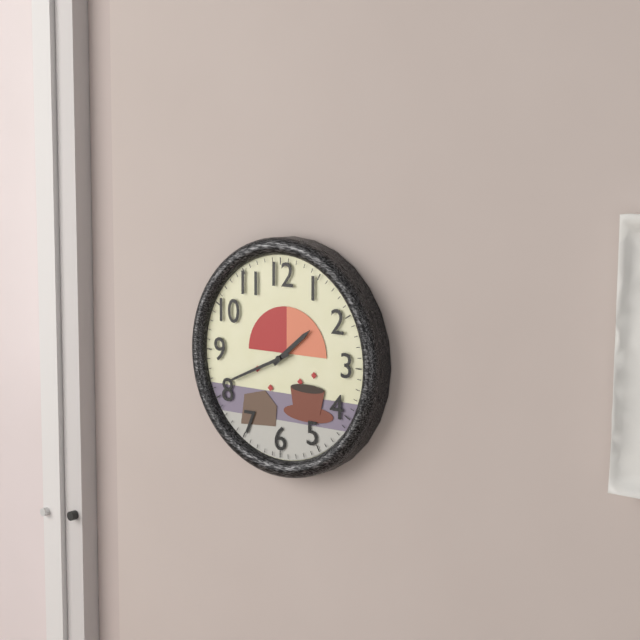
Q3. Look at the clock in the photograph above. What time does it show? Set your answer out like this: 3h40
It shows 1h41
